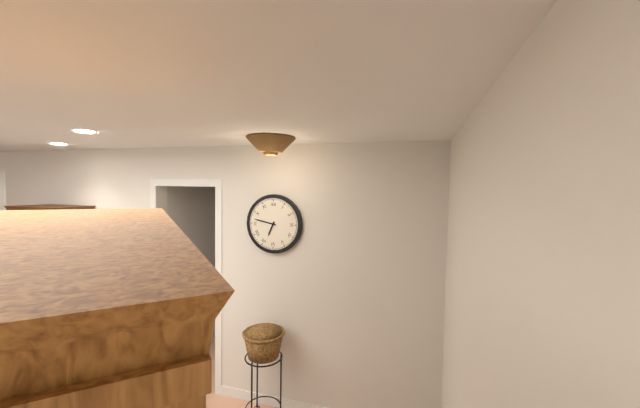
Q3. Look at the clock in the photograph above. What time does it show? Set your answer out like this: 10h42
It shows 6h47
